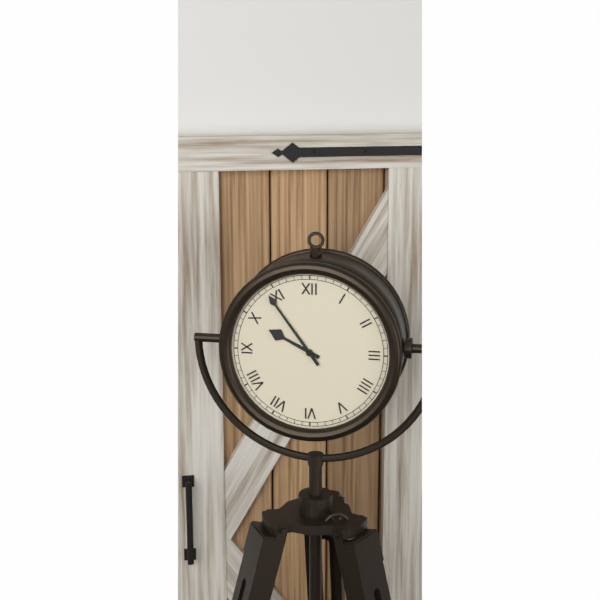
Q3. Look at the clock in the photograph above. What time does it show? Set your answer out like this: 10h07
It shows 9h54
